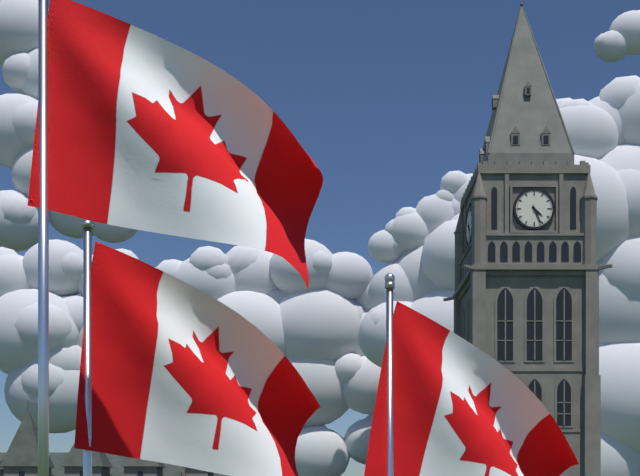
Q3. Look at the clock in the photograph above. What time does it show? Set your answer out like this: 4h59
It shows 4h26
